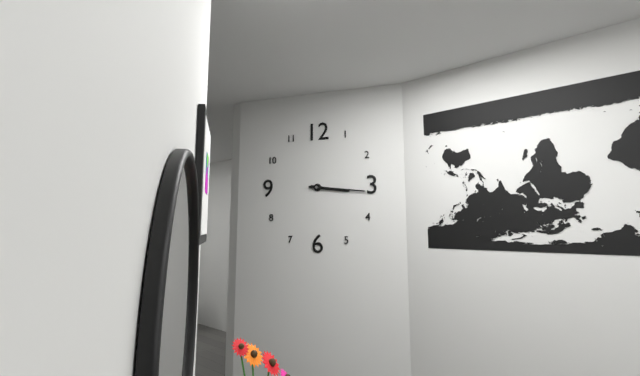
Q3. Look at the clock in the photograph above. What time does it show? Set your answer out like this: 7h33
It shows 3h16
